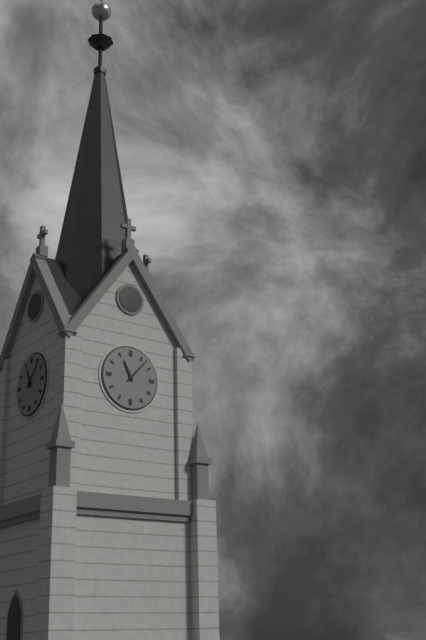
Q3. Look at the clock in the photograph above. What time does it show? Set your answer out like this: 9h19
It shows 11h07
